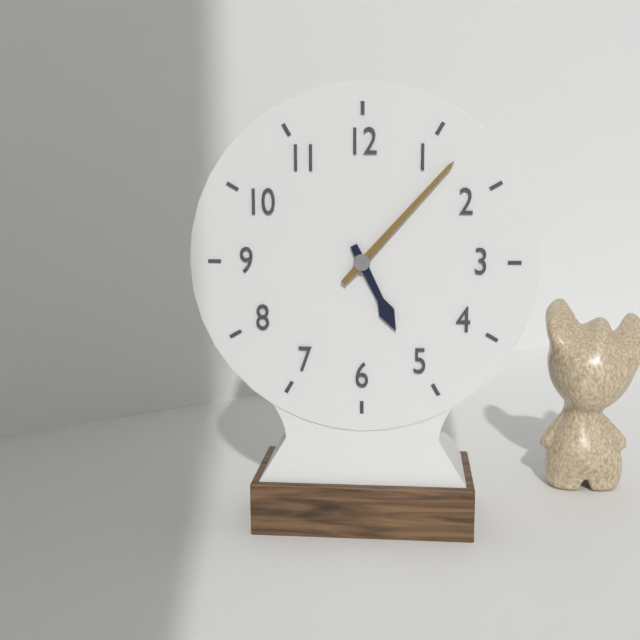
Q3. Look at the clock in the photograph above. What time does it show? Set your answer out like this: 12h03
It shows 5h07
